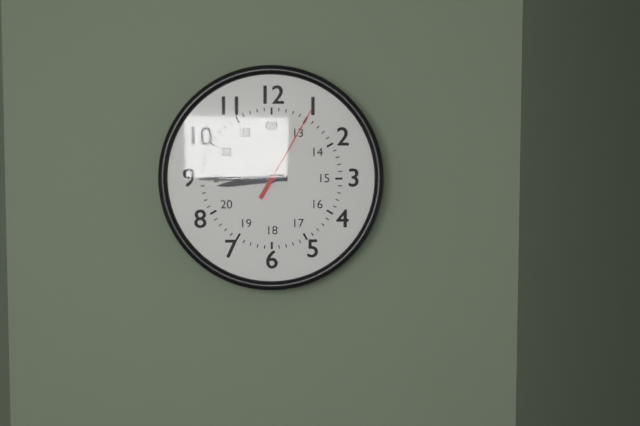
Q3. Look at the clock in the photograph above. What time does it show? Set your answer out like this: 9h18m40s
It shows 8h45m05s
